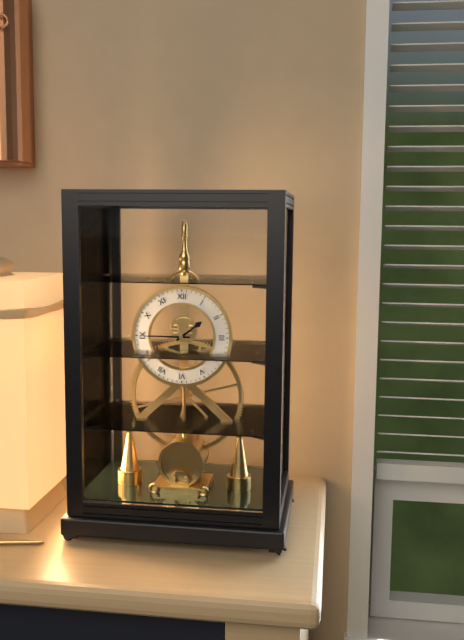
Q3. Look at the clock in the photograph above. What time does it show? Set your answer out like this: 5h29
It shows 1h45
